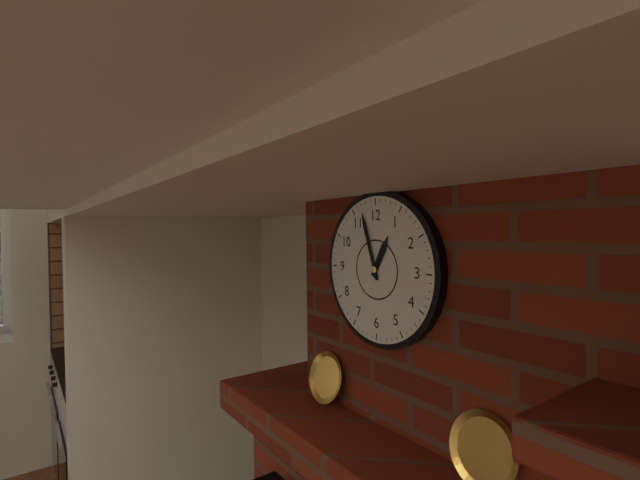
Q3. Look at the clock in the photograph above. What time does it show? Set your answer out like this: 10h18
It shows 12h57
